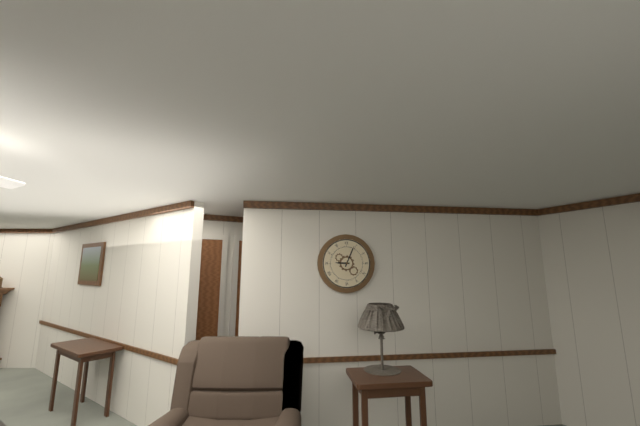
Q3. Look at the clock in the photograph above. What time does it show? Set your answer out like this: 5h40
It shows 9h04
